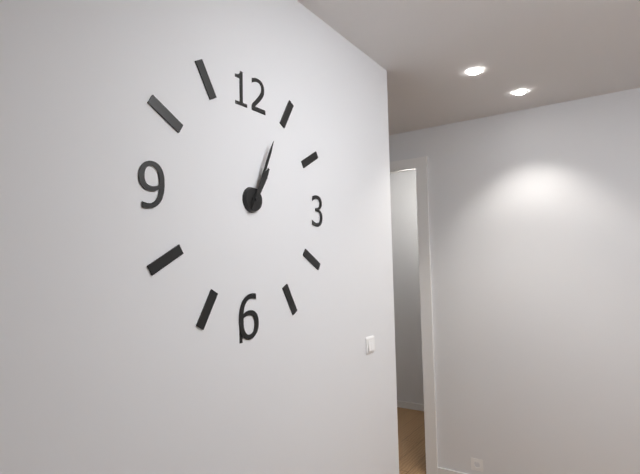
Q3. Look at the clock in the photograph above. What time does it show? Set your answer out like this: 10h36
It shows 1h04
